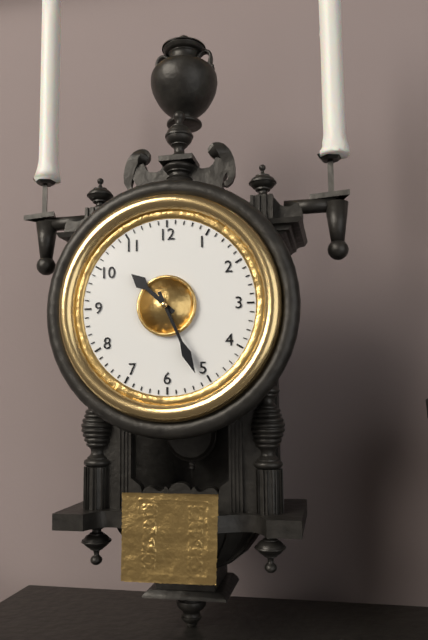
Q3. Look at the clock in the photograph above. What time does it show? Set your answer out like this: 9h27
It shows 10h26
